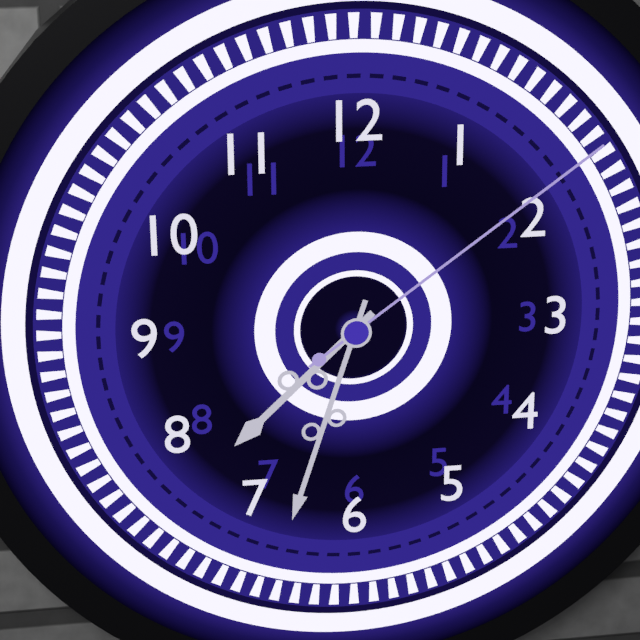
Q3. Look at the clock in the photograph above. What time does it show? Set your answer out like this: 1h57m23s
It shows 7h33m09s
